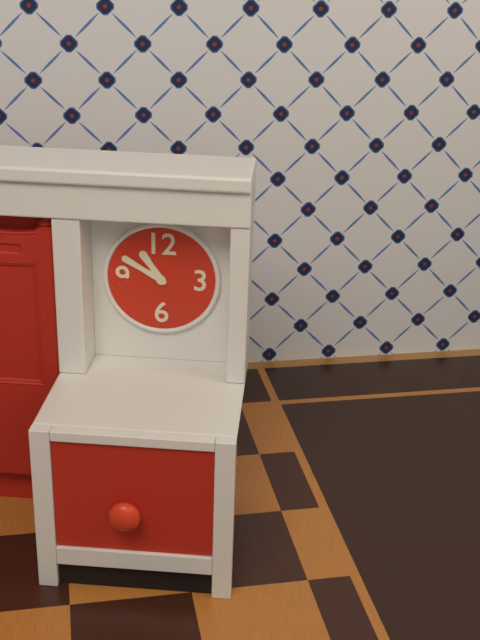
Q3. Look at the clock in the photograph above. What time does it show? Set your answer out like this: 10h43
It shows 10h50
